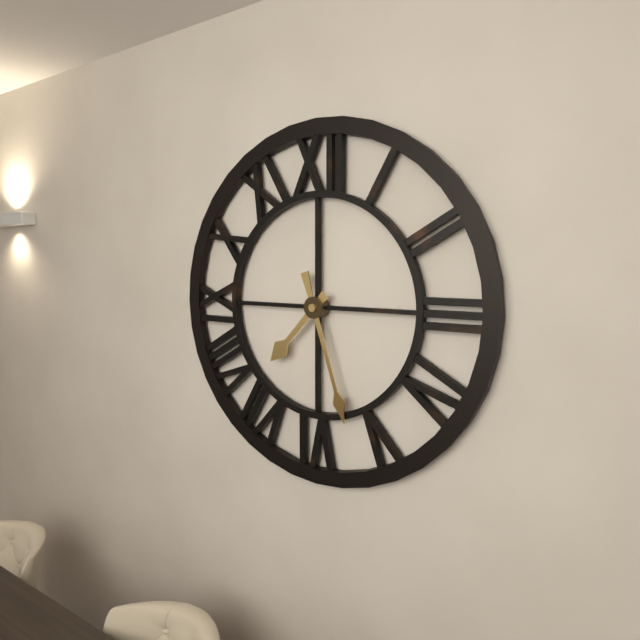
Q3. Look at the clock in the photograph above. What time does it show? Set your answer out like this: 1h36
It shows 7h27
